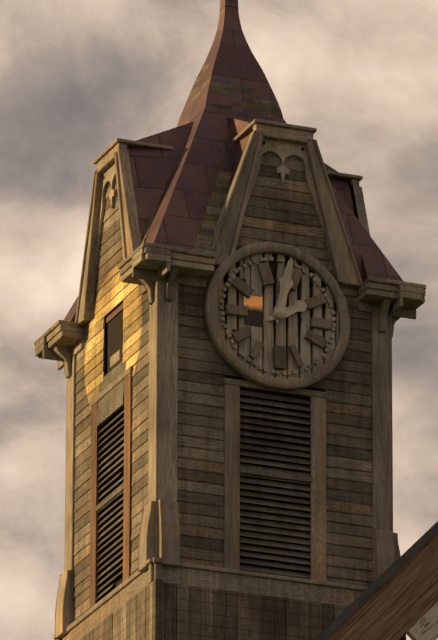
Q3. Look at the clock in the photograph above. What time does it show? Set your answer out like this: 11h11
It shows 2h02
